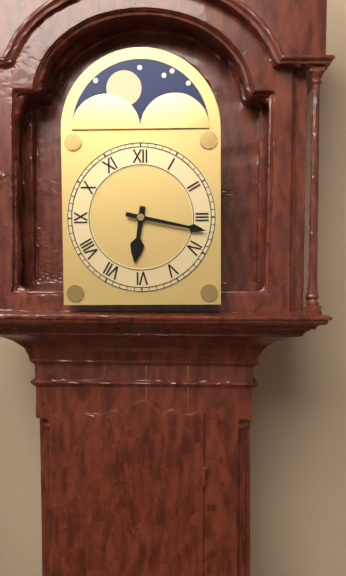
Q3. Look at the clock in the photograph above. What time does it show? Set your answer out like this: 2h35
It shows 6h17
